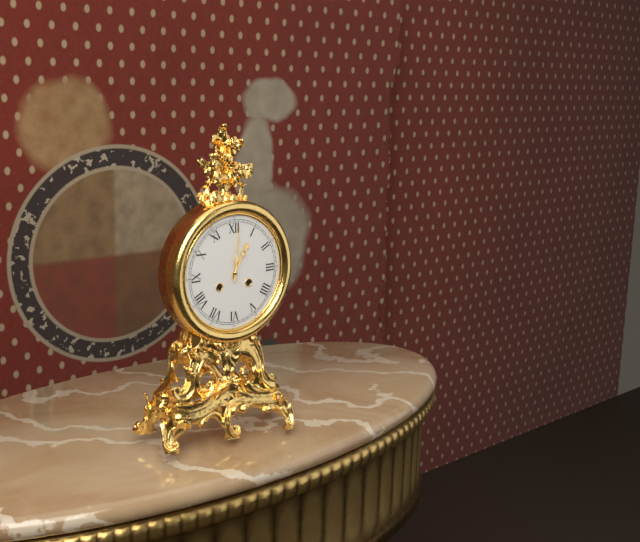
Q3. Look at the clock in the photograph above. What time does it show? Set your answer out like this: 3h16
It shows 1h01
